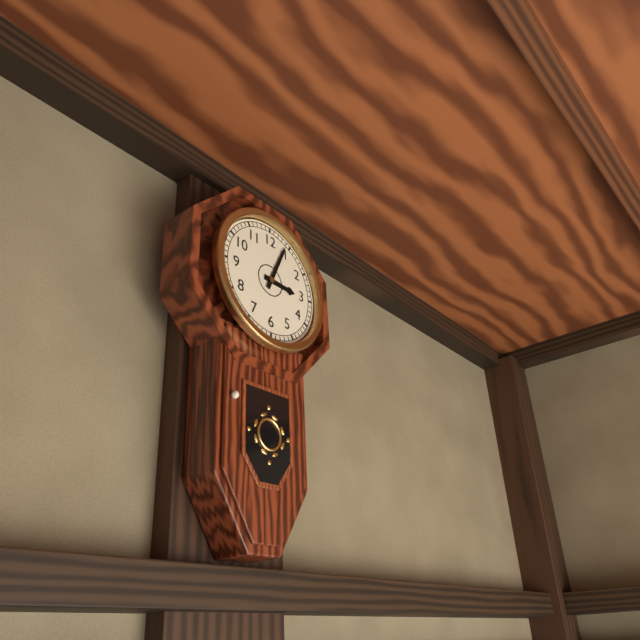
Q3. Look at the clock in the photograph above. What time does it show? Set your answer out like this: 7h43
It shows 3h04
